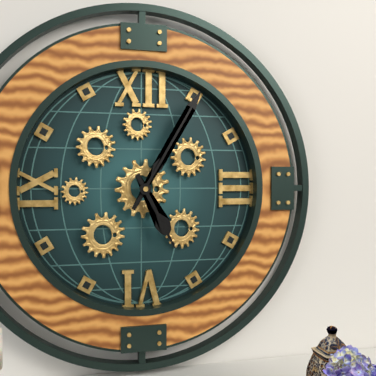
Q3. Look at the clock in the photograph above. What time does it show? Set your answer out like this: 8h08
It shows 5h05
